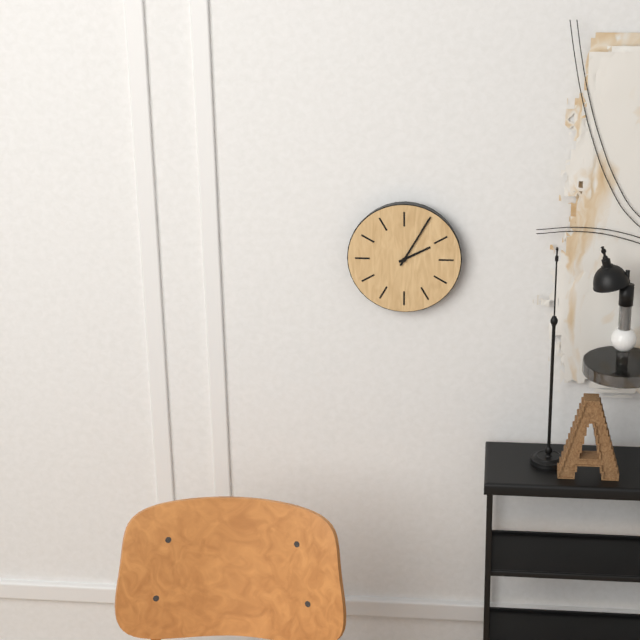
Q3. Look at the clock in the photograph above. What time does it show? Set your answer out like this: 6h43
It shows 2h05
